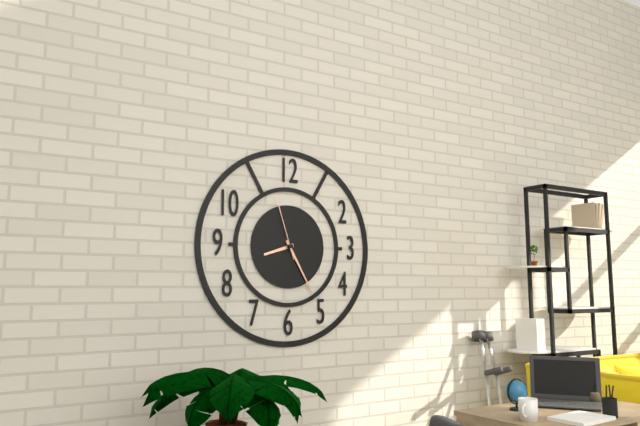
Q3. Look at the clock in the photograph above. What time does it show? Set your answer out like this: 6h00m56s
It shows 8h25m57s
